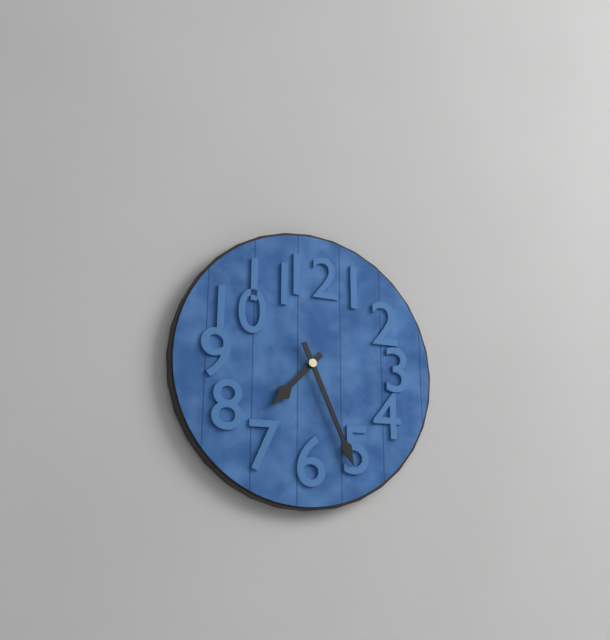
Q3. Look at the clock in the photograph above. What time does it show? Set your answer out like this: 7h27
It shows 7h26
